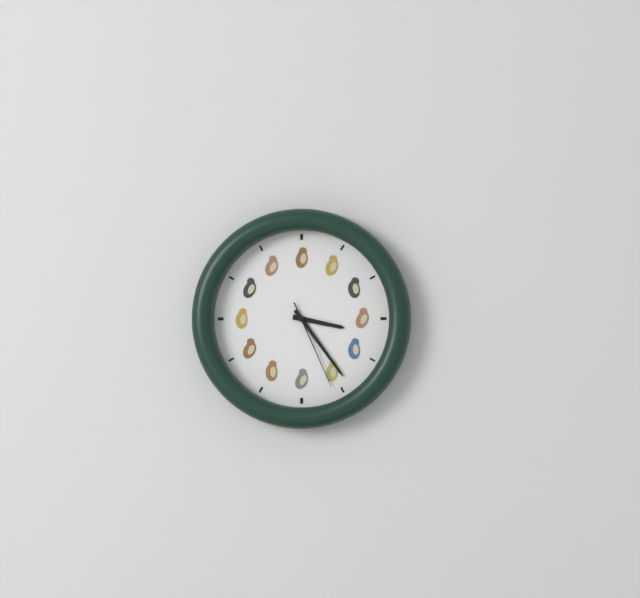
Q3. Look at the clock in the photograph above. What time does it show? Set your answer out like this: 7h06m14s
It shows 3h24m26s
